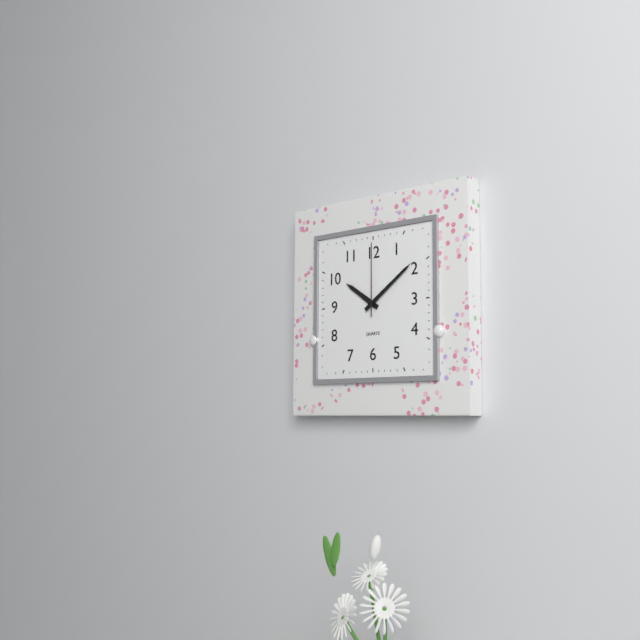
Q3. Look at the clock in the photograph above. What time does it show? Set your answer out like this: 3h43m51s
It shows 10h09m00s
